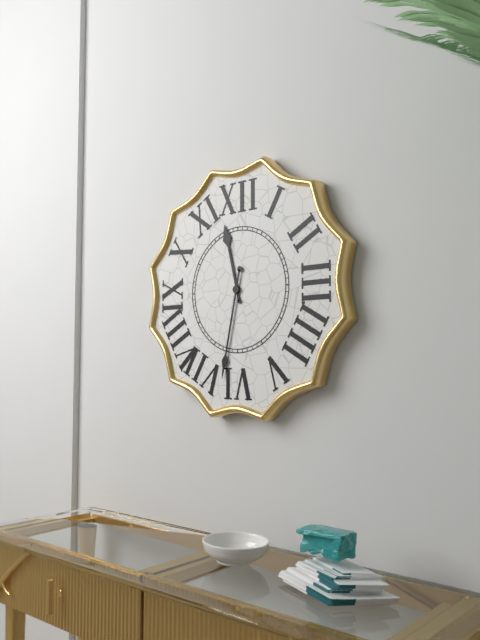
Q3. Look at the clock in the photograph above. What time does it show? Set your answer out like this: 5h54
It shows 11h32
